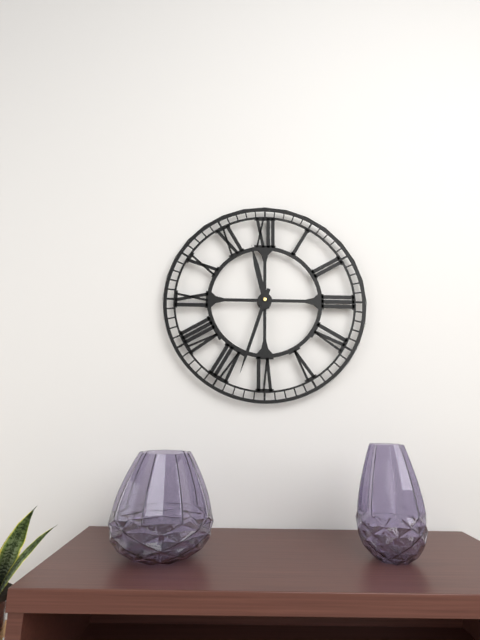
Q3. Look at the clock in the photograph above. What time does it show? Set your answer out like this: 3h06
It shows 11h33
